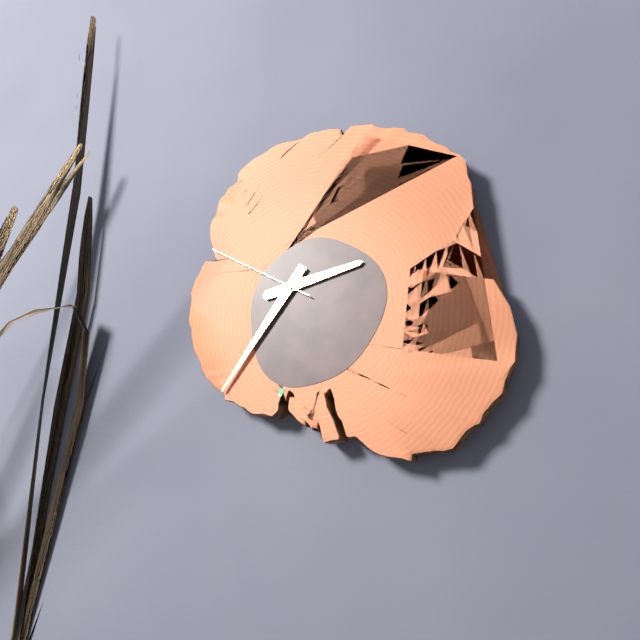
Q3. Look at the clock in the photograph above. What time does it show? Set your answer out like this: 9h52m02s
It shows 2h36m50s
